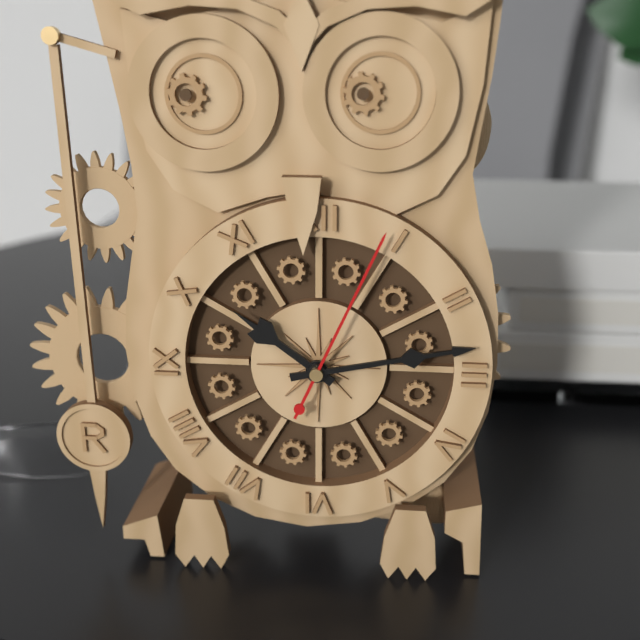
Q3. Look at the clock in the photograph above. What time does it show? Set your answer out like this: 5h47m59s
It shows 10h13m04s
